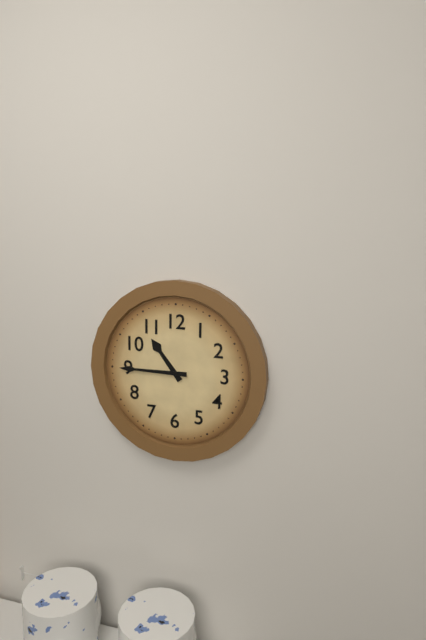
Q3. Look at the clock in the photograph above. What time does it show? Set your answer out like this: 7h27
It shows 10h45
